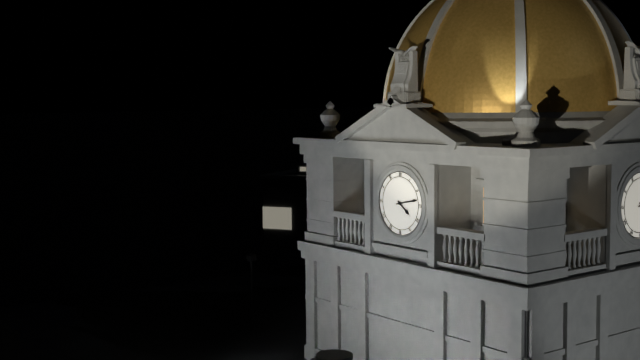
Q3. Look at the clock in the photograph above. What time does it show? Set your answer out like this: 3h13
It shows 4h13
